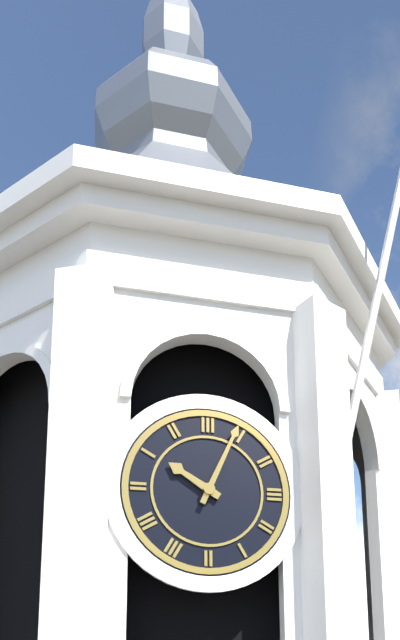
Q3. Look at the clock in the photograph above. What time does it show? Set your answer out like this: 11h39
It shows 10h04
